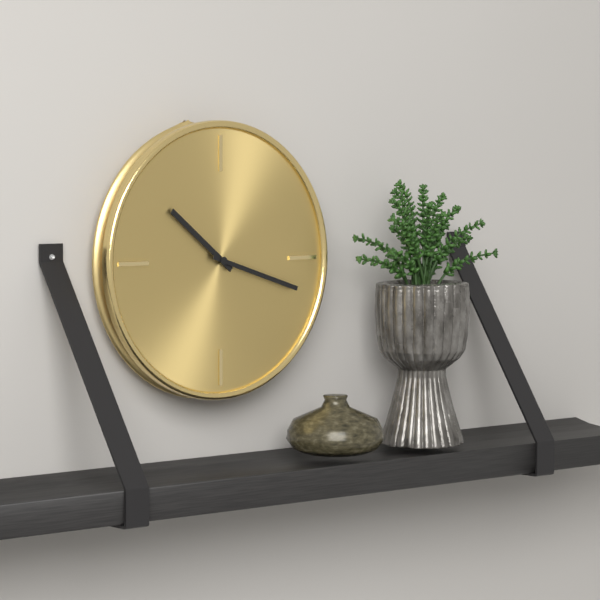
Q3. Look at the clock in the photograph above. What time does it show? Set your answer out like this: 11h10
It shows 10h18
